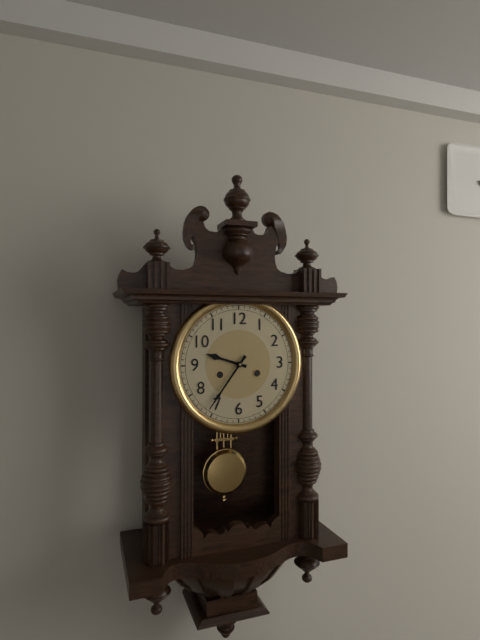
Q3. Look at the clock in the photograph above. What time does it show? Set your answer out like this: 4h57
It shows 9h36
